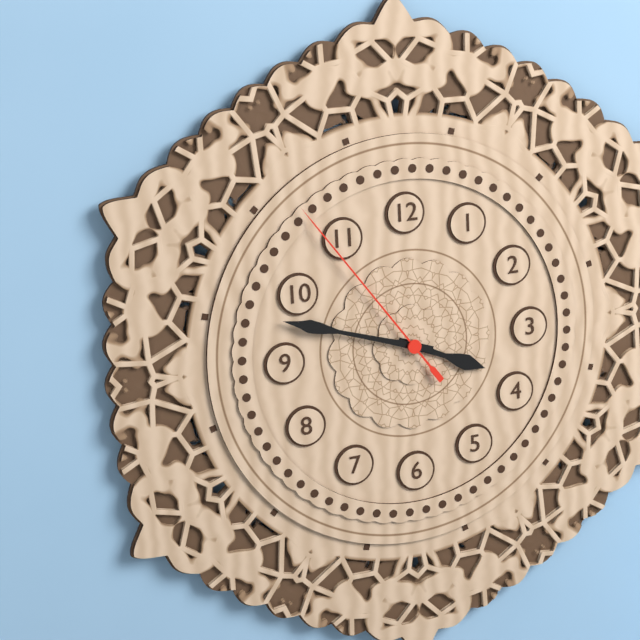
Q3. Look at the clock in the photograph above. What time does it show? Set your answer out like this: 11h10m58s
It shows 3h48m54s
